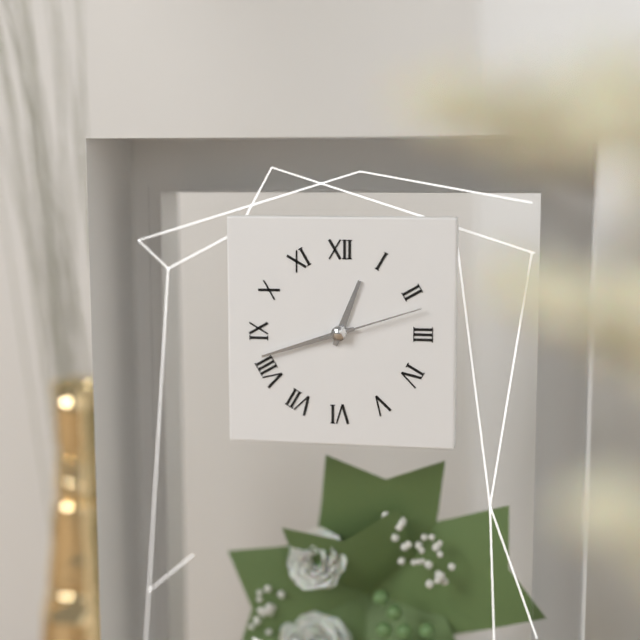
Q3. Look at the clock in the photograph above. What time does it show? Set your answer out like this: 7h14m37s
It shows 12h42m12s
